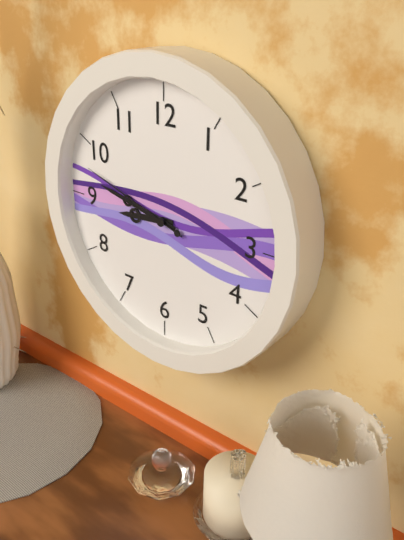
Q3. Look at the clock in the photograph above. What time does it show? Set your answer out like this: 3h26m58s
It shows 8h47m48s
